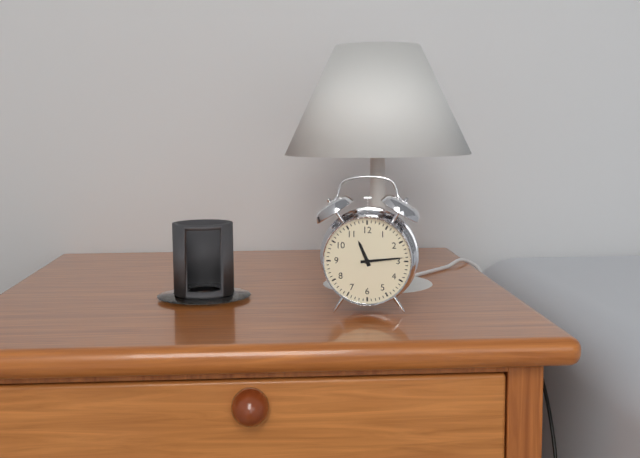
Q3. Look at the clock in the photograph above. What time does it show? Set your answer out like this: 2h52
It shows 11h14
